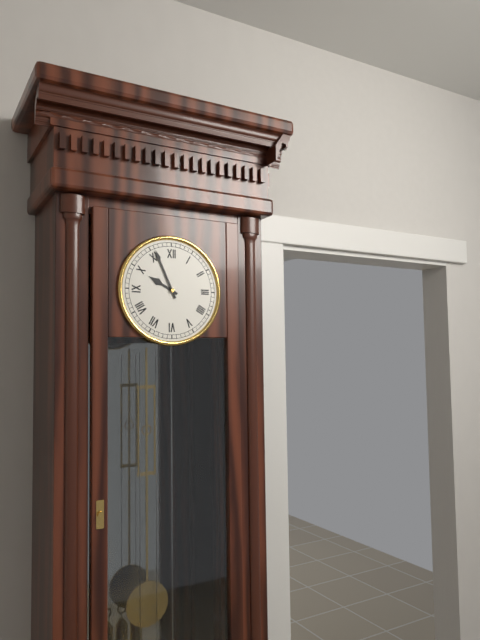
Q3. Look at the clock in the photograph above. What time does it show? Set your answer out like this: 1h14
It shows 9h56
